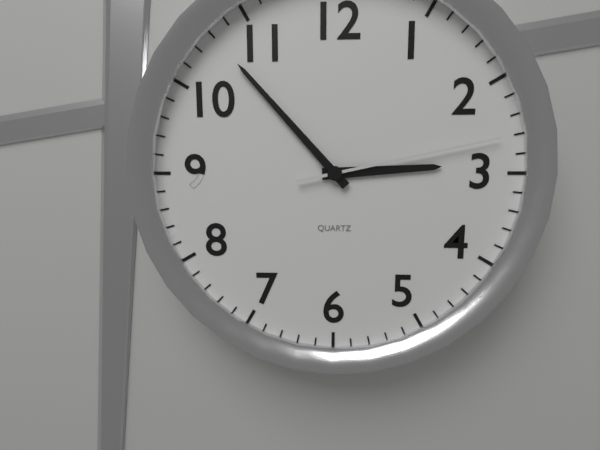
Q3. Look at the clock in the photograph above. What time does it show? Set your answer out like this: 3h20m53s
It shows 2h53m13s
